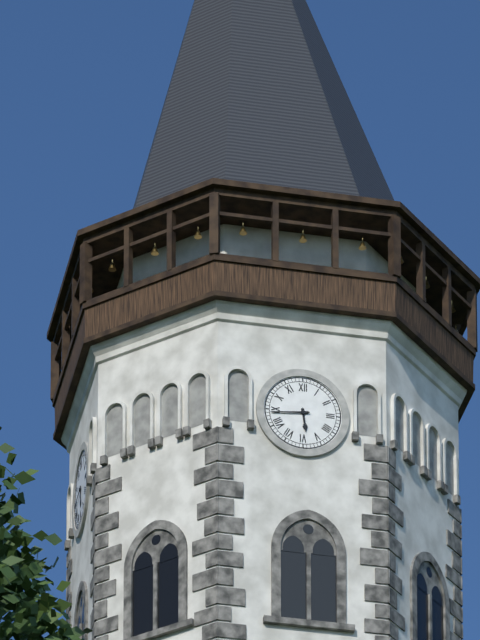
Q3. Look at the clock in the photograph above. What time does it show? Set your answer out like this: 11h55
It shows 5h44
